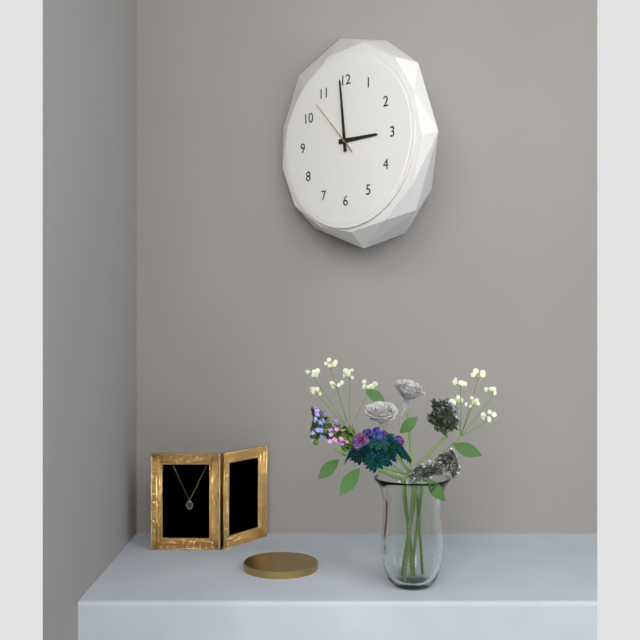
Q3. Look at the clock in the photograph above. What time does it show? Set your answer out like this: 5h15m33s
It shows 2h59m53s
